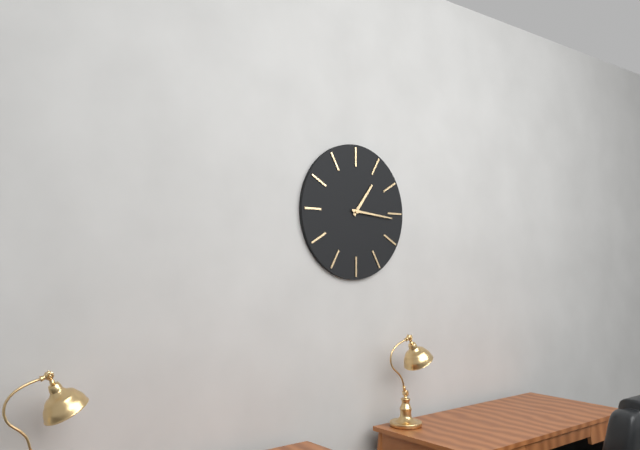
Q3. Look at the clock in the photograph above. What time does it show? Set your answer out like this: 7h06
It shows 1h16
